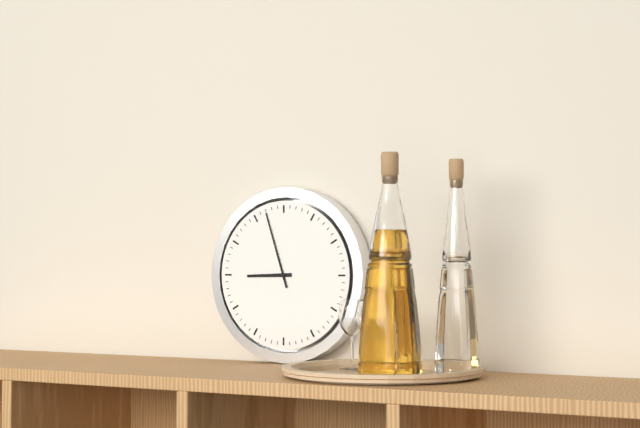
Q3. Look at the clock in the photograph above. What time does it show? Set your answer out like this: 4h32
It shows 8h57
